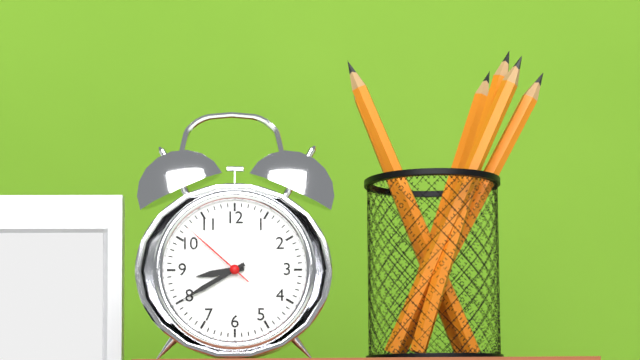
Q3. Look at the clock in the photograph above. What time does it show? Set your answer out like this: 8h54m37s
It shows 8h40m52s
